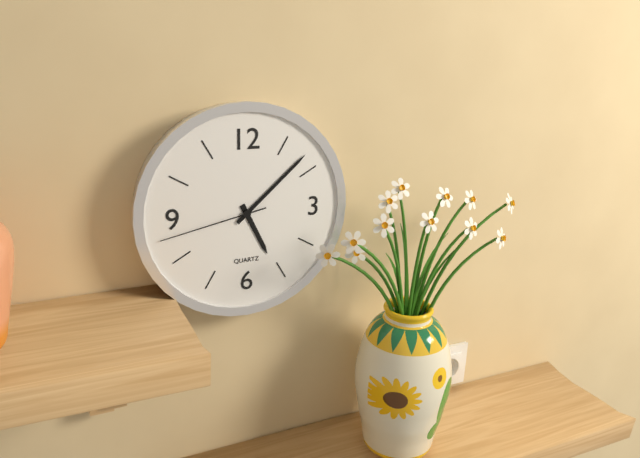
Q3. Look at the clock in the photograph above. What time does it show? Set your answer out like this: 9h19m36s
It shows 5h08m43s
